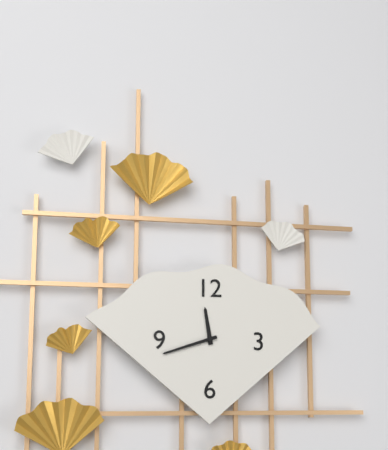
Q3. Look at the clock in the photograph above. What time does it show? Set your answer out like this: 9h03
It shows 11h42
